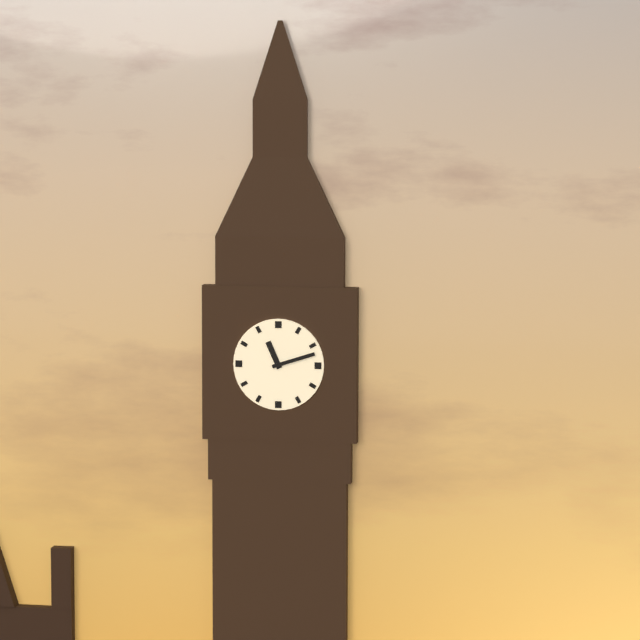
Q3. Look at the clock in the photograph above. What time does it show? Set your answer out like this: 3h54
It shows 11h12
